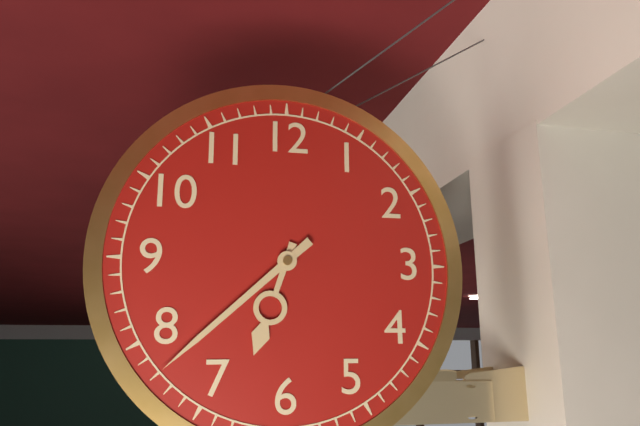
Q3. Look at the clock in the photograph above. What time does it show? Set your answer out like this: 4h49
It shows 6h38
